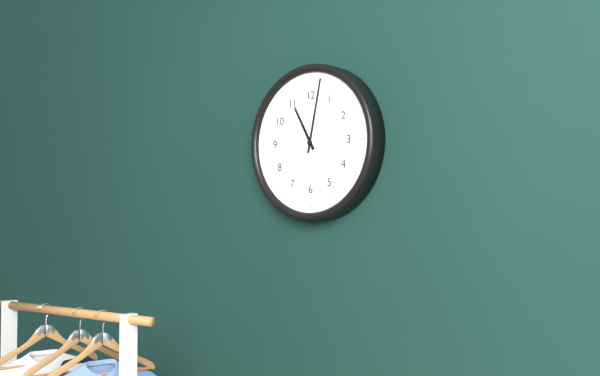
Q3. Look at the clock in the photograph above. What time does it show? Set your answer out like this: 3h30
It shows 11h02
